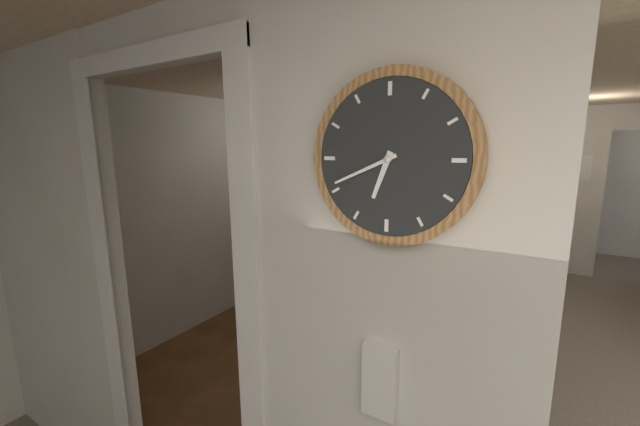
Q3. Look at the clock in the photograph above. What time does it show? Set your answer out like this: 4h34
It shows 6h41
